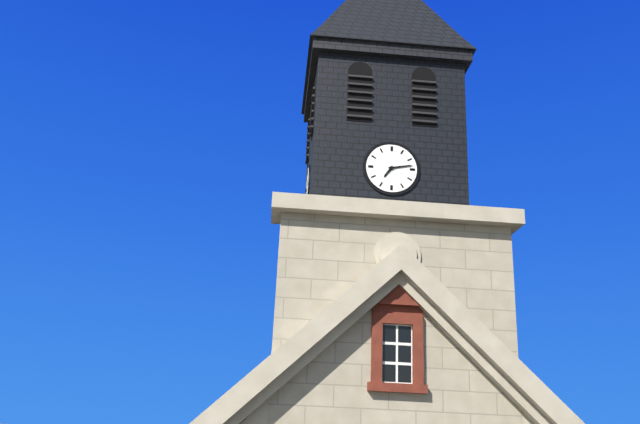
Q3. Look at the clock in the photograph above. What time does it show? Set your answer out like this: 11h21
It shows 7h13
